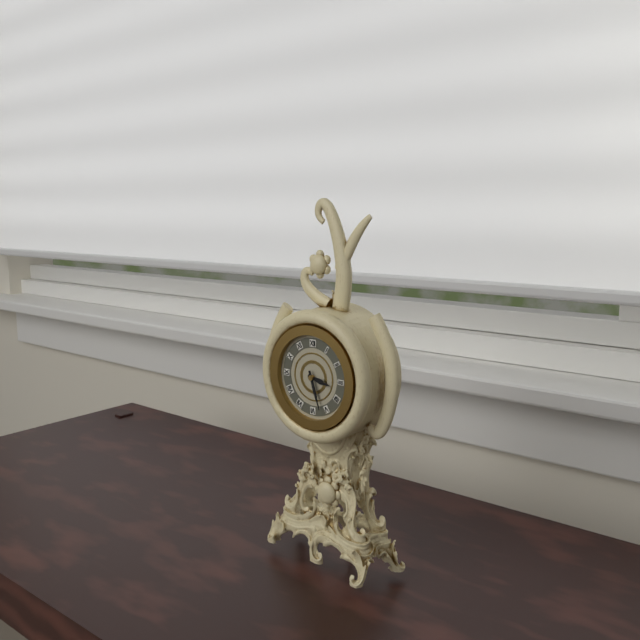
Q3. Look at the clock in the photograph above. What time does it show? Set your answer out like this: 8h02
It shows 3h27
